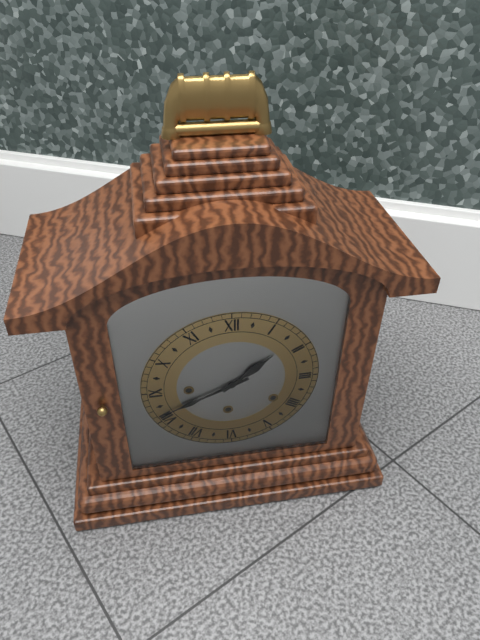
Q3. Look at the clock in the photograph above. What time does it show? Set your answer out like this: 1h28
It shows 1h41
